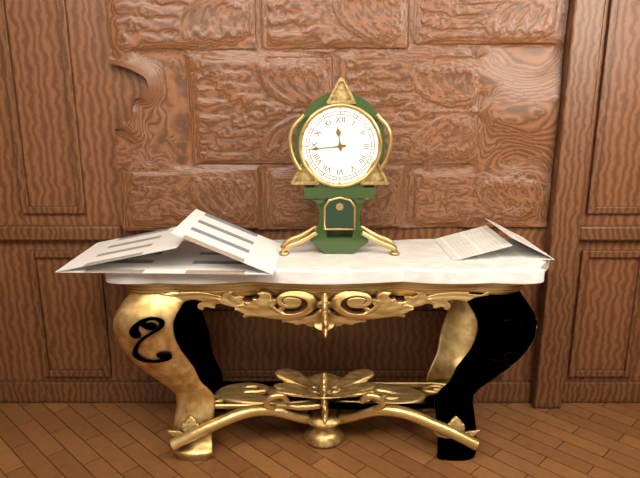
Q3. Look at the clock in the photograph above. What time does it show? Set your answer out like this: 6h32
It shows 11h44
